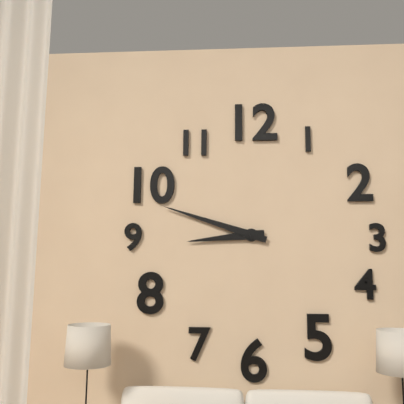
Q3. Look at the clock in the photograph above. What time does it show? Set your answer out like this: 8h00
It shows 8h48
